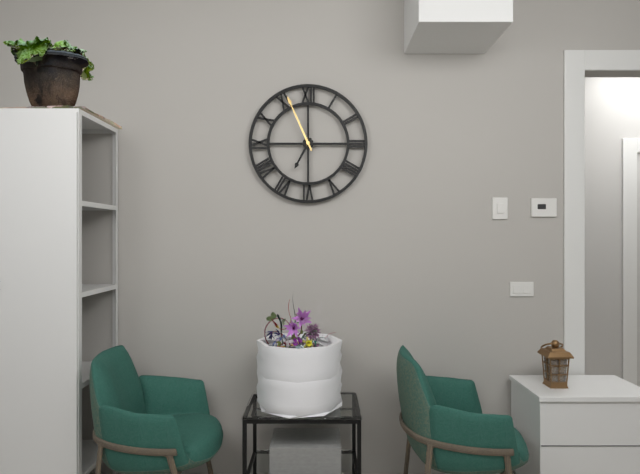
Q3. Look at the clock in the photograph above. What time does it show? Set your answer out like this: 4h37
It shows 6h56
